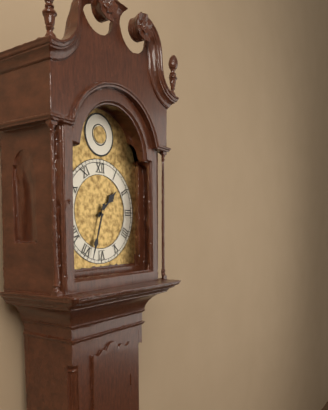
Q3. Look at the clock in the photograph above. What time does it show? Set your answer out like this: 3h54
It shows 1h33
